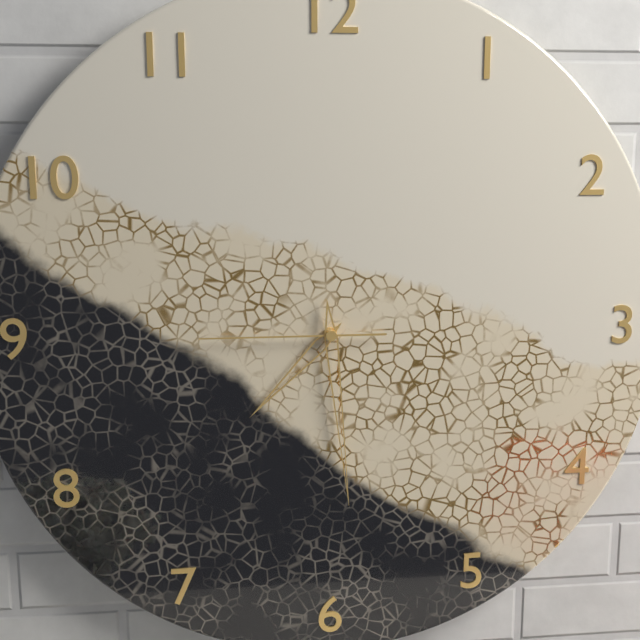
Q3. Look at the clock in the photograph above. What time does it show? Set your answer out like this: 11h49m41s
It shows 7h29m45s
